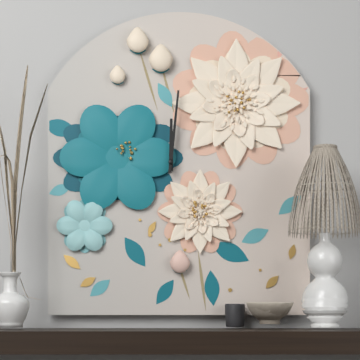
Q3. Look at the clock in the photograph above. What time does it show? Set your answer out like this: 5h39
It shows 12h01
